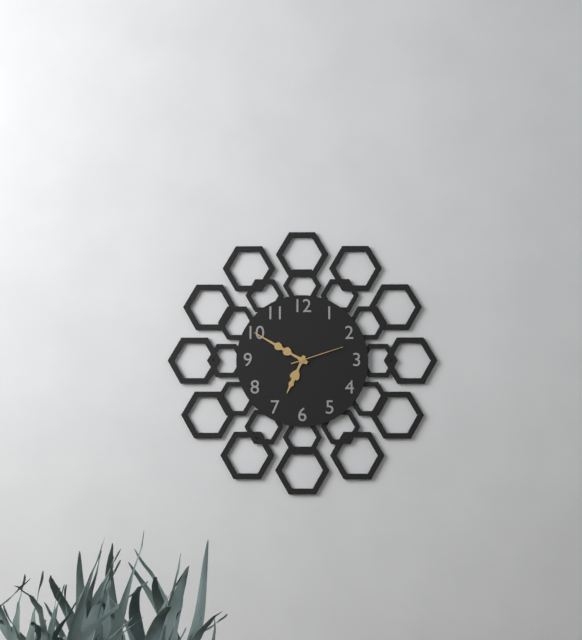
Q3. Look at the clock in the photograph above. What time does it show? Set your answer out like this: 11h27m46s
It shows 6h50m12s
